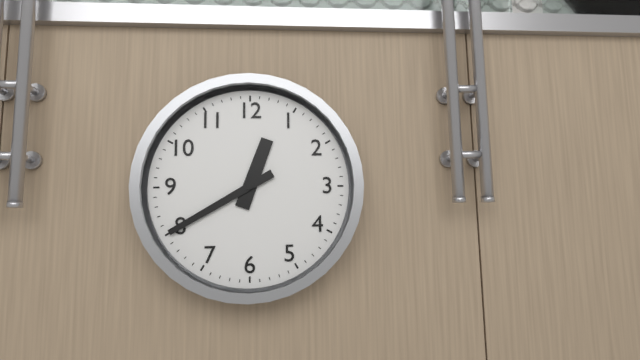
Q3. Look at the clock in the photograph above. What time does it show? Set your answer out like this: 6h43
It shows 12h40
